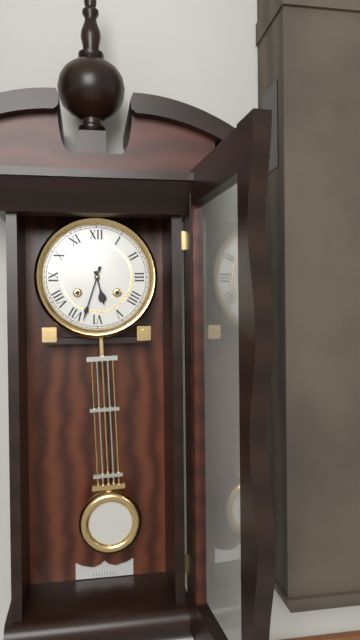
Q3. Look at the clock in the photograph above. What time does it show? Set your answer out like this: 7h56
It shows 5h33
